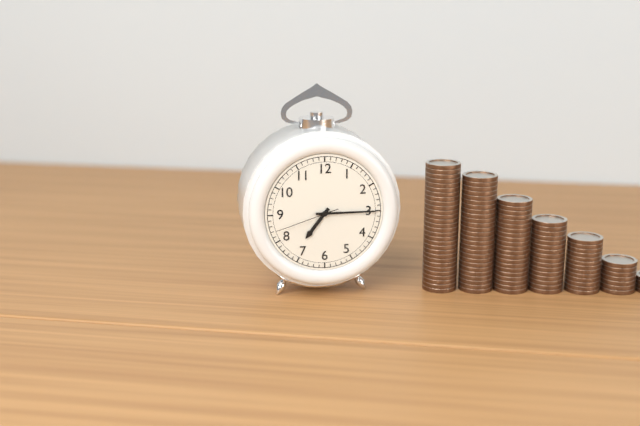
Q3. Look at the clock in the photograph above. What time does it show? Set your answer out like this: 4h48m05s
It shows 7h15m42s
